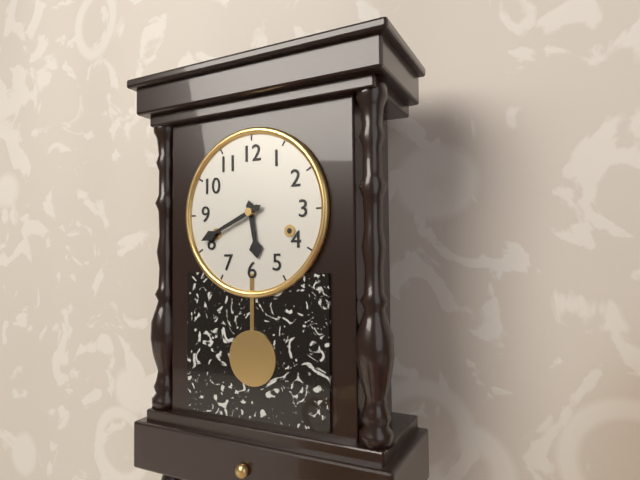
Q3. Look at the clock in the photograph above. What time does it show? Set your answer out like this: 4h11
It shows 5h41
